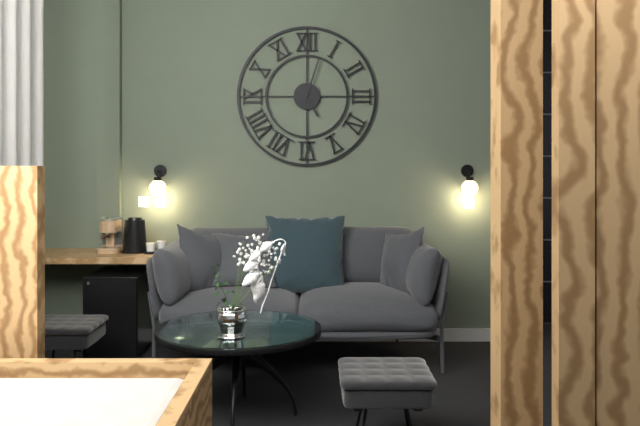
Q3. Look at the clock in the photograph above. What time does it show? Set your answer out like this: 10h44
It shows 5h03
